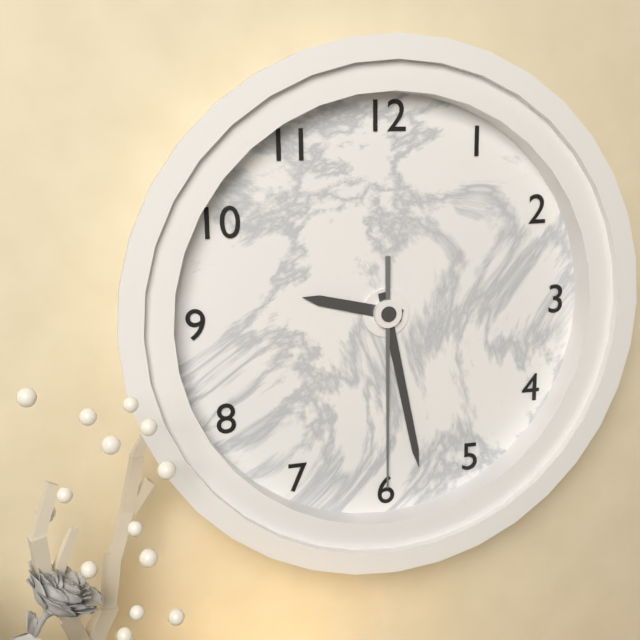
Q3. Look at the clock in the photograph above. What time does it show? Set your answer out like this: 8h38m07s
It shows 9h28m30s
